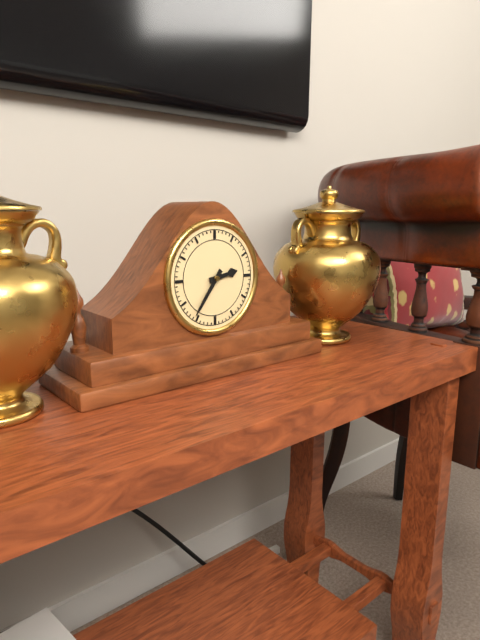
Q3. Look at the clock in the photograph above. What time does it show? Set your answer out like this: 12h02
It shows 2h36
